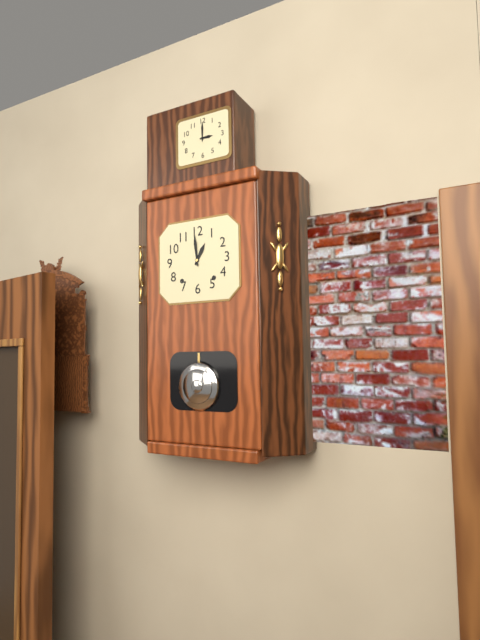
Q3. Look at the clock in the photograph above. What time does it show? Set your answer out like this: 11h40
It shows 12h59
